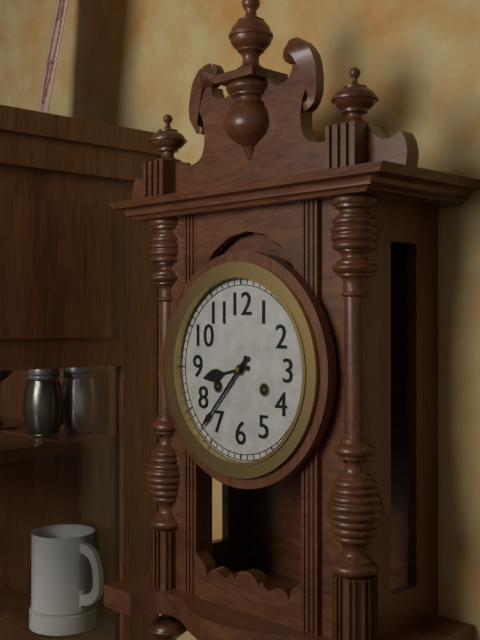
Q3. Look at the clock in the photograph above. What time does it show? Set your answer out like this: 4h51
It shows 8h37
